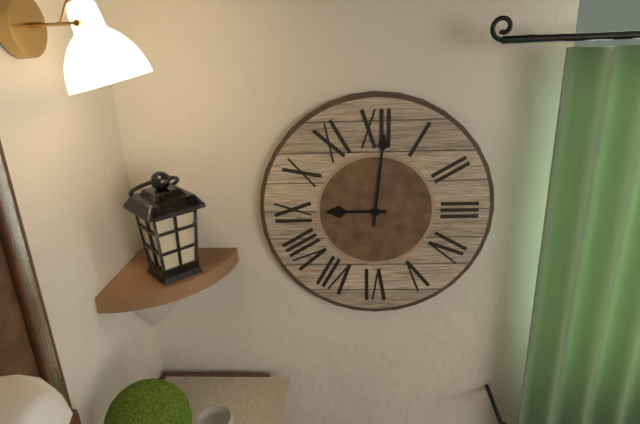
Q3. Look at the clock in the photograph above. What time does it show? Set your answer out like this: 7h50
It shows 9h01
